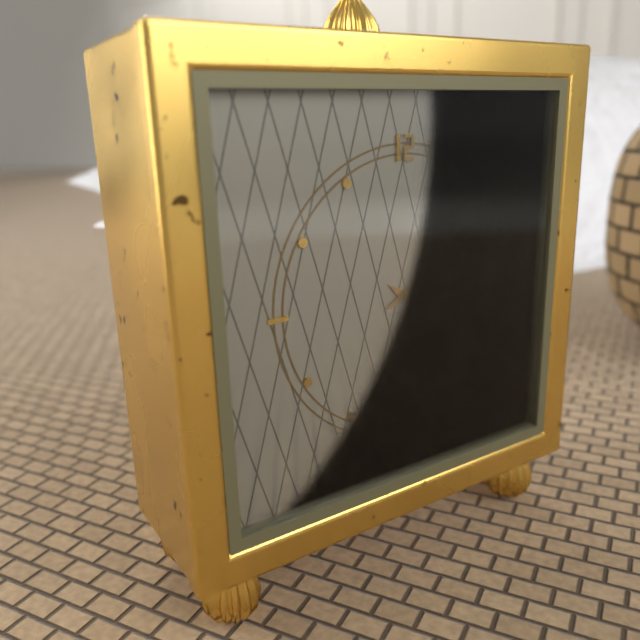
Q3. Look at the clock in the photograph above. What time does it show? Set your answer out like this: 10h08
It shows 4h11
